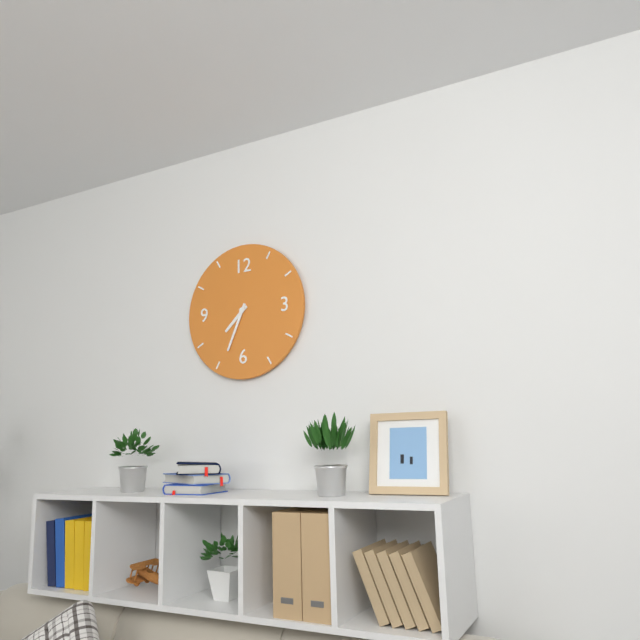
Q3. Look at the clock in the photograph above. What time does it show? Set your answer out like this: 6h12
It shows 7h34
